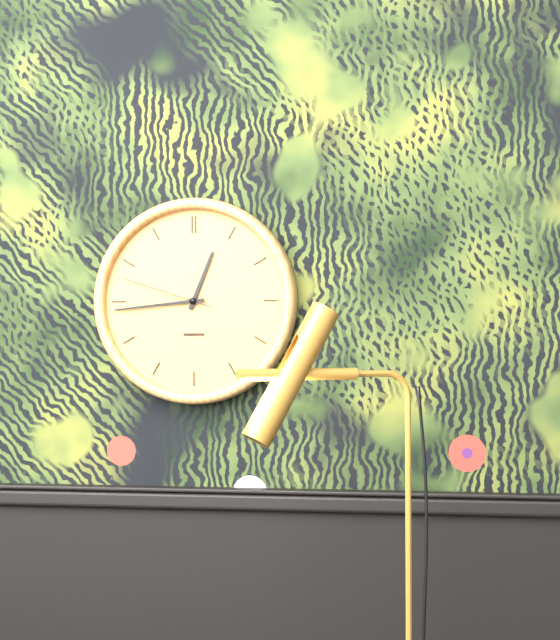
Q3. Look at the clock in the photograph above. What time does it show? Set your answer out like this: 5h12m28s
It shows 12h44m48s
